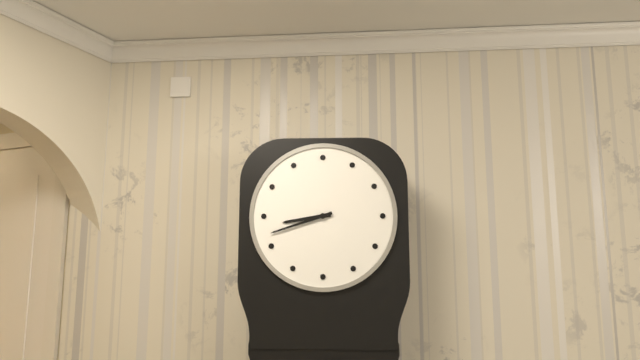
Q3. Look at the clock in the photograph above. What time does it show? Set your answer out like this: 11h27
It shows 8h42
